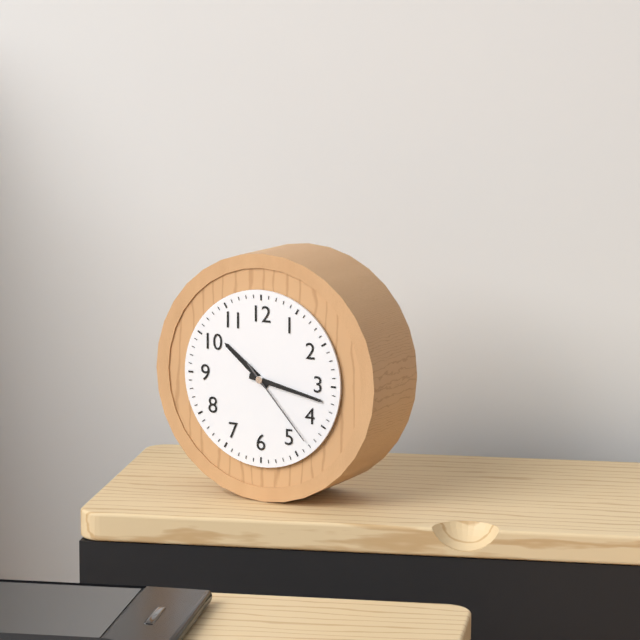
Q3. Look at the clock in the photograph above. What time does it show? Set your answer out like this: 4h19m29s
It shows 10h17m23s
